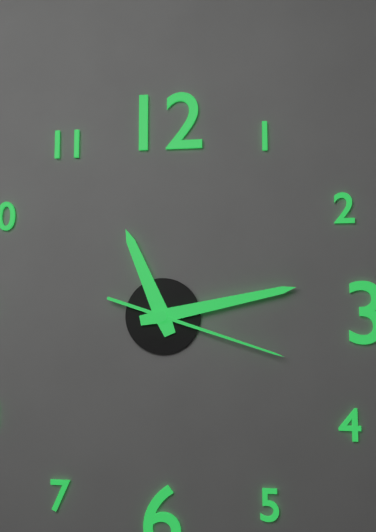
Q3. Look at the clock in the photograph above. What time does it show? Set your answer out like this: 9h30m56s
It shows 11h13m18s
